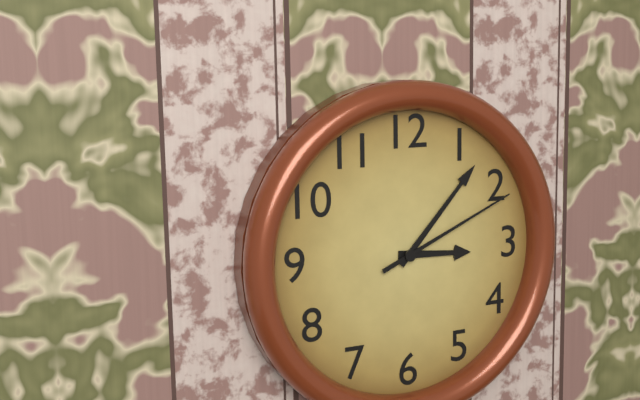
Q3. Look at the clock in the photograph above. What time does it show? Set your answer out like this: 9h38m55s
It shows 3h07m11s
